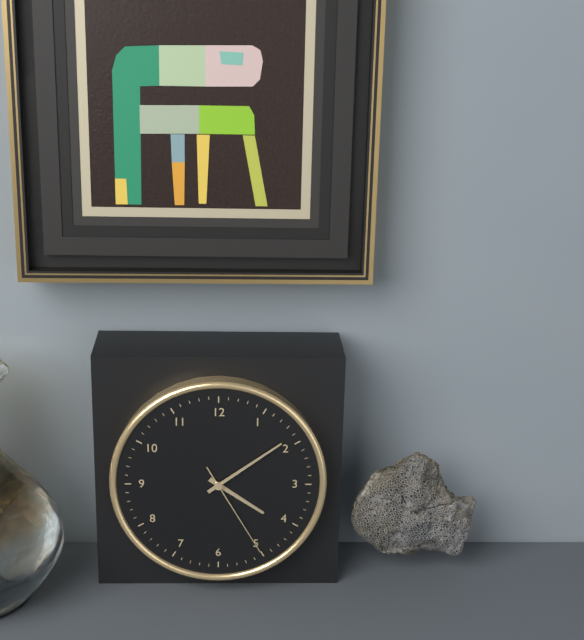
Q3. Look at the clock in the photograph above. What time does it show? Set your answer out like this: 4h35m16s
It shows 4h09m25s
